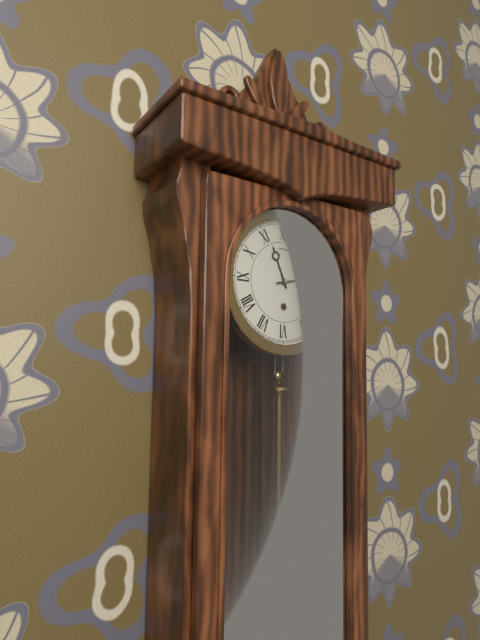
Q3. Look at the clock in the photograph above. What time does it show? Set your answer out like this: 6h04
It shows 11h13
